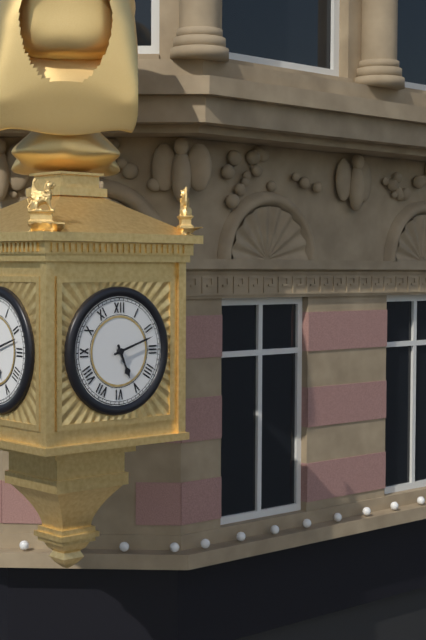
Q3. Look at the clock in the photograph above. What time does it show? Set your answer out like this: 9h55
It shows 5h12
